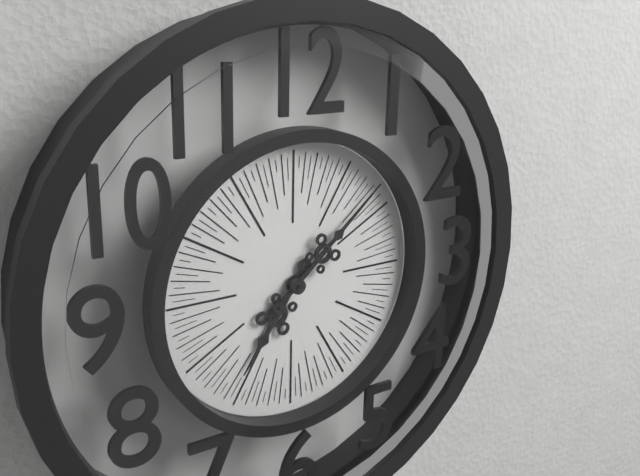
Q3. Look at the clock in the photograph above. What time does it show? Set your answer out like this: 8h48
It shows 7h08
